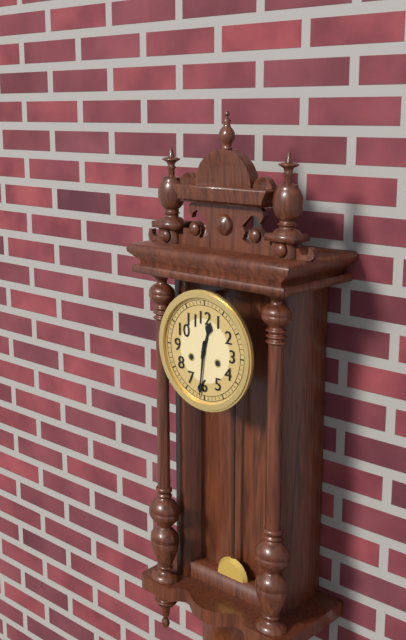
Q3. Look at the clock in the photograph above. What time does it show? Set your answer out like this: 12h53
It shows 12h31
